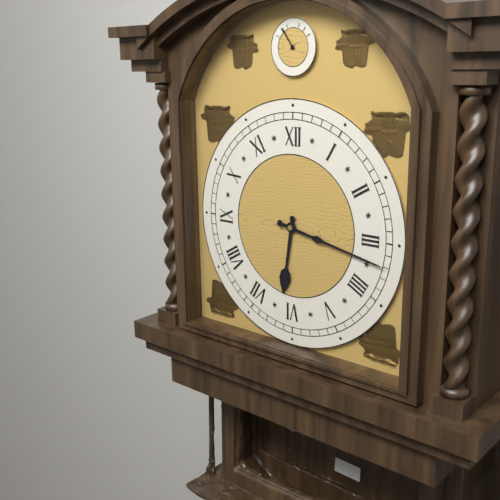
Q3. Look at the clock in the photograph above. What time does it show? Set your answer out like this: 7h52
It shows 6h17
